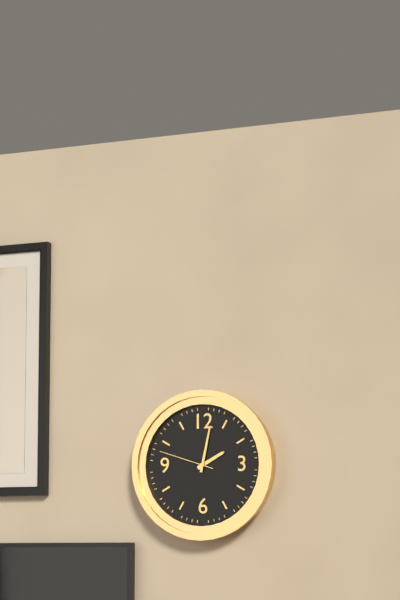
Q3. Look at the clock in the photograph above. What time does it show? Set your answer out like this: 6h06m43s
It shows 2h02m48s
